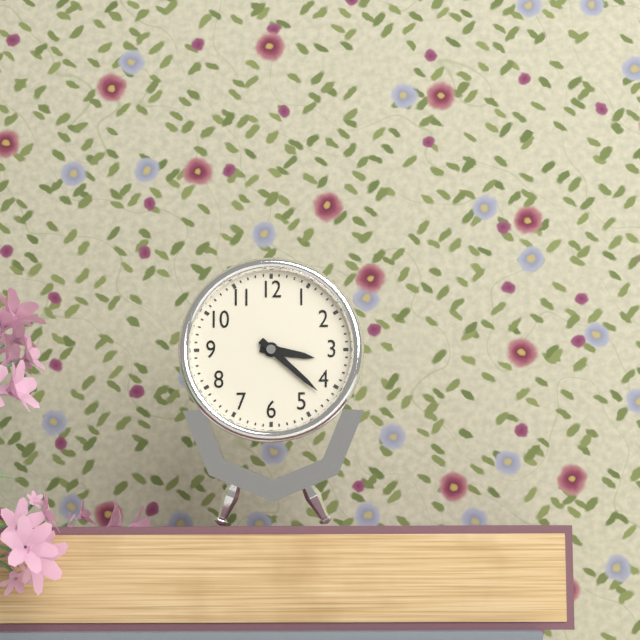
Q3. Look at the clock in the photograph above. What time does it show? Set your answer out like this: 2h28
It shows 3h22
